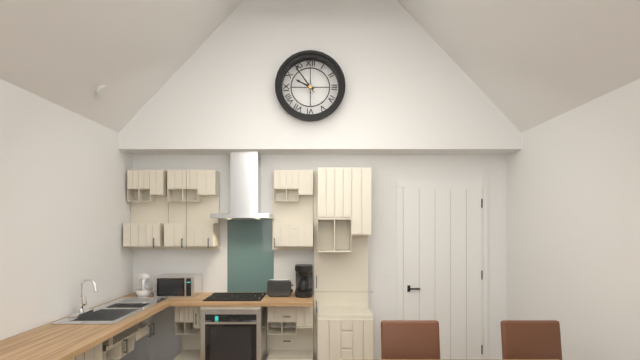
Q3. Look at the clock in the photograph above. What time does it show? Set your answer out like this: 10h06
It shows 9h54
